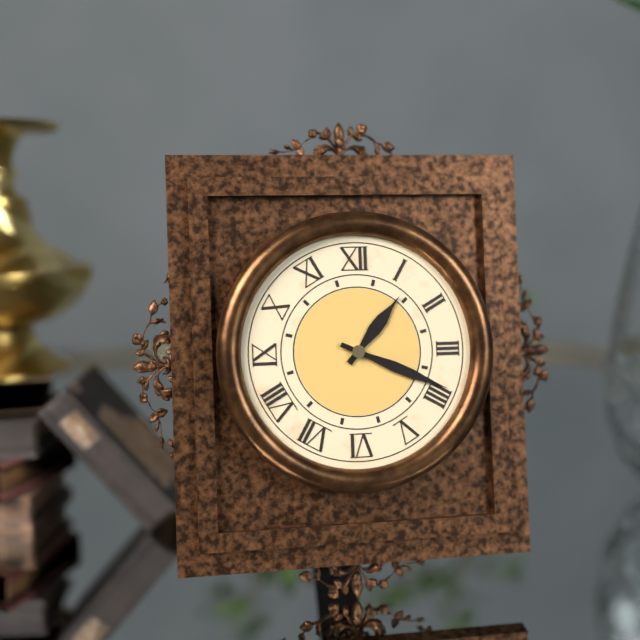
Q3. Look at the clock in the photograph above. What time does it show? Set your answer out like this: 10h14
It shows 1h19
